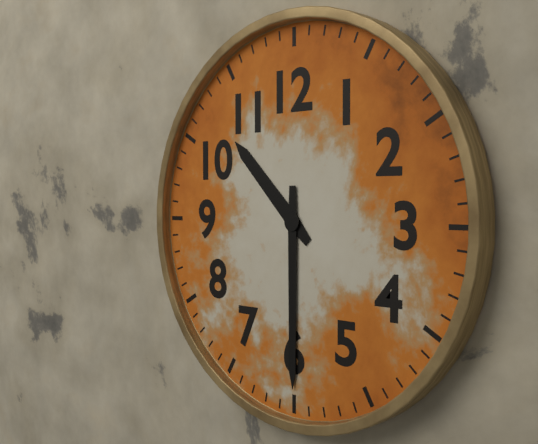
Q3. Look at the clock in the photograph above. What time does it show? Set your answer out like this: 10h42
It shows 10h30
